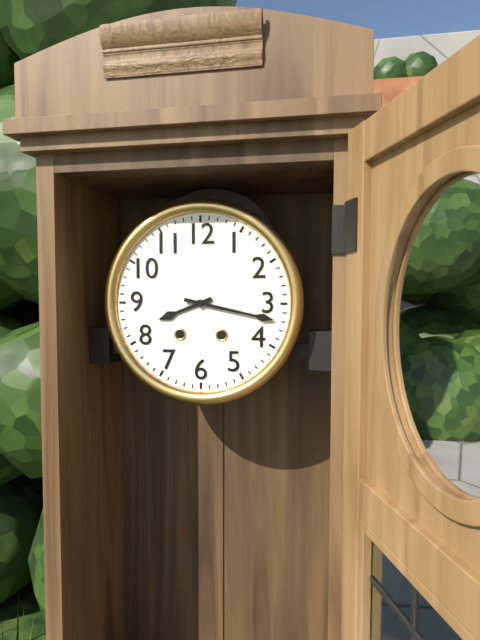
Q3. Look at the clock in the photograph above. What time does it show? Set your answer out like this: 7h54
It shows 8h17
